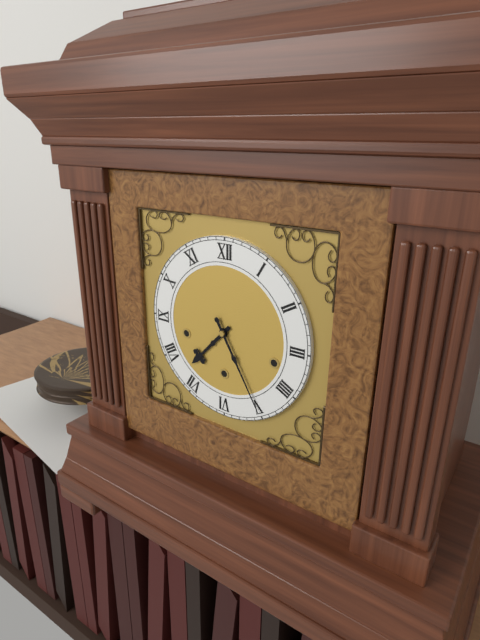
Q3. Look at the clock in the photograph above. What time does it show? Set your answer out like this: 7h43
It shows 7h25
